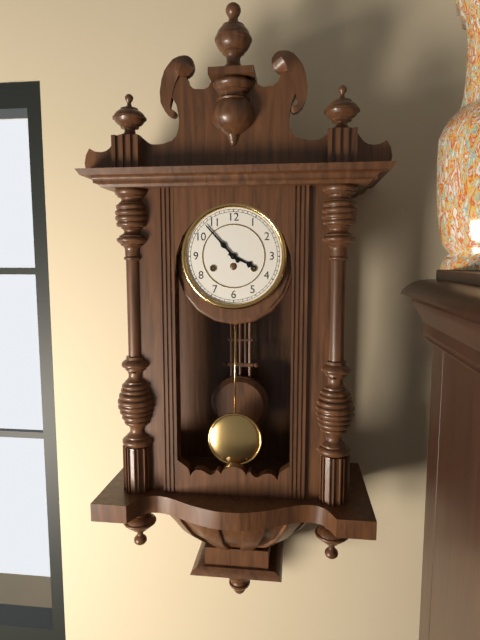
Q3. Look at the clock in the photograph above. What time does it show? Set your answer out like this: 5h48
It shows 3h53
